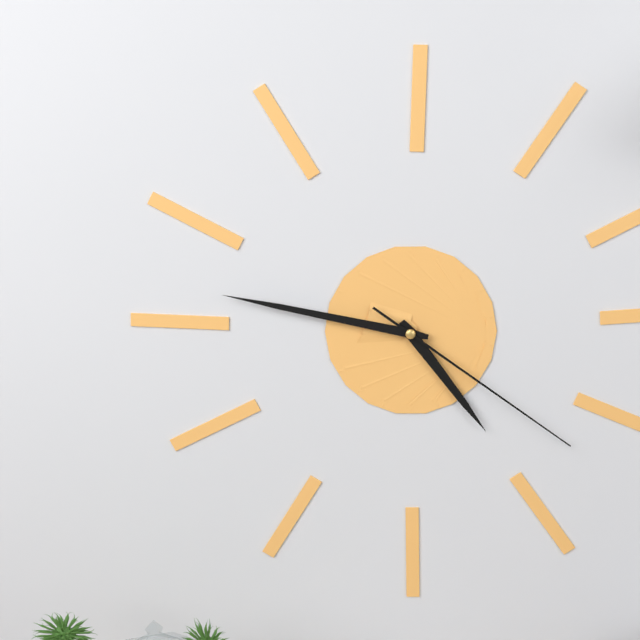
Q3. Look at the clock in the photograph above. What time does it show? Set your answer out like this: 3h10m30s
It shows 4h47m21s
